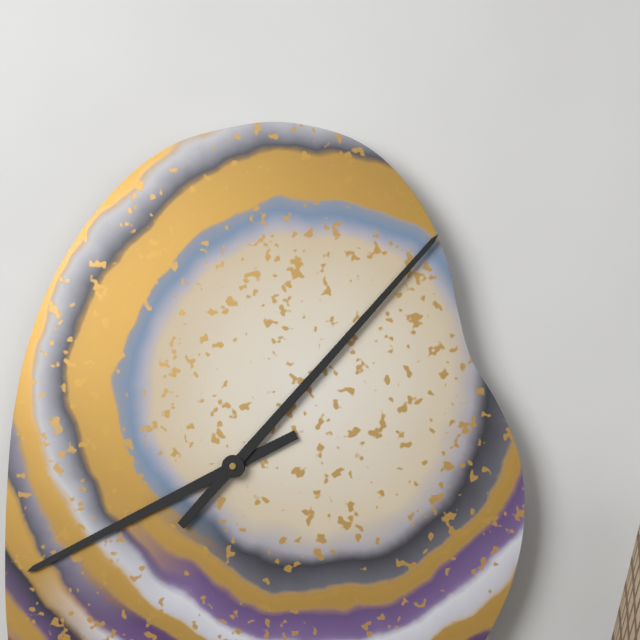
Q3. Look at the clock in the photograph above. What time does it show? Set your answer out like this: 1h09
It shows 8h07
